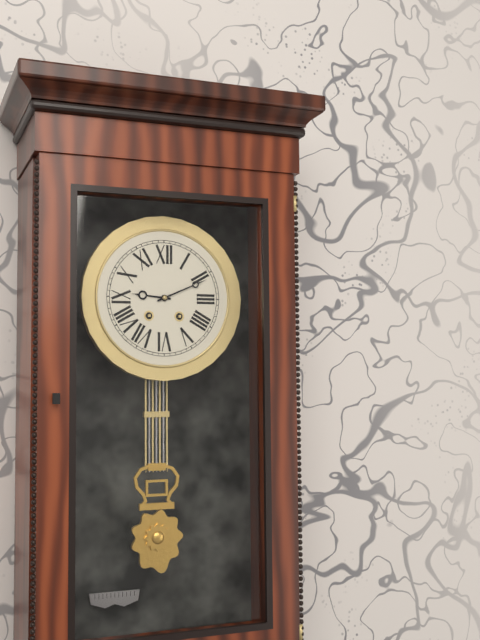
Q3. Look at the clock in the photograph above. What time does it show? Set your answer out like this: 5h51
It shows 9h11
